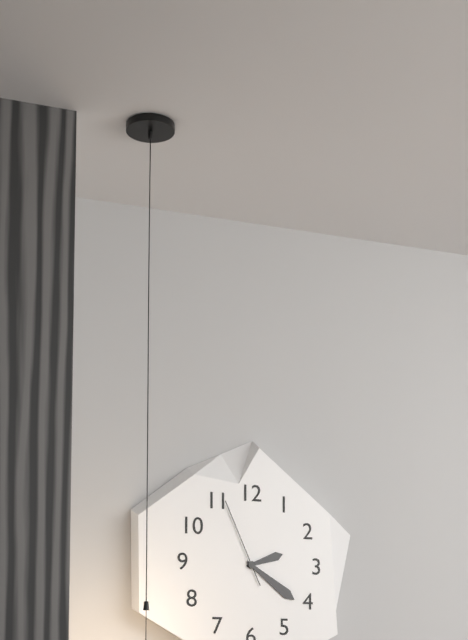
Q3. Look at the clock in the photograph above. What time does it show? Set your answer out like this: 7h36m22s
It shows 2h21m56s
